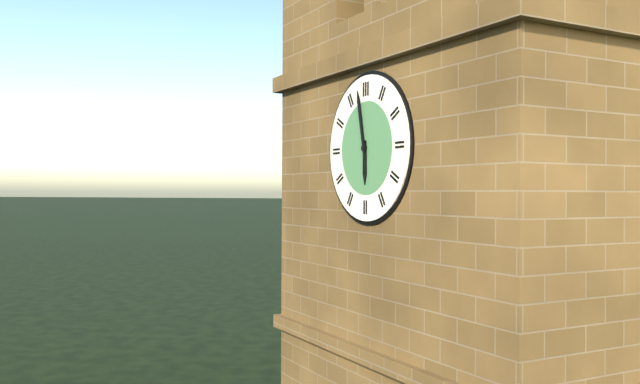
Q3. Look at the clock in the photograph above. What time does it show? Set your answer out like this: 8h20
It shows 5h58
